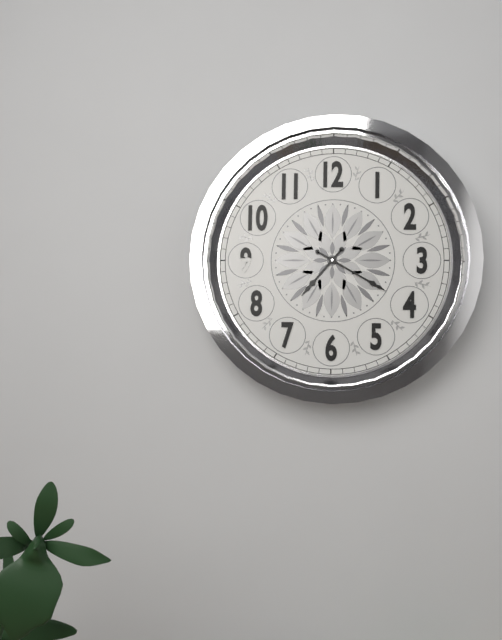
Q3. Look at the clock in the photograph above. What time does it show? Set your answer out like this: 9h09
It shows 7h20
